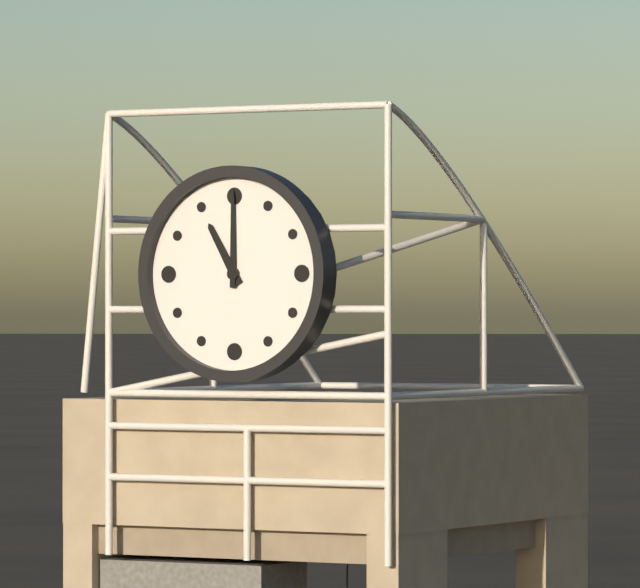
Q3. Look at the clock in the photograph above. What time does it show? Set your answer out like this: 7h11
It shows 11h00
